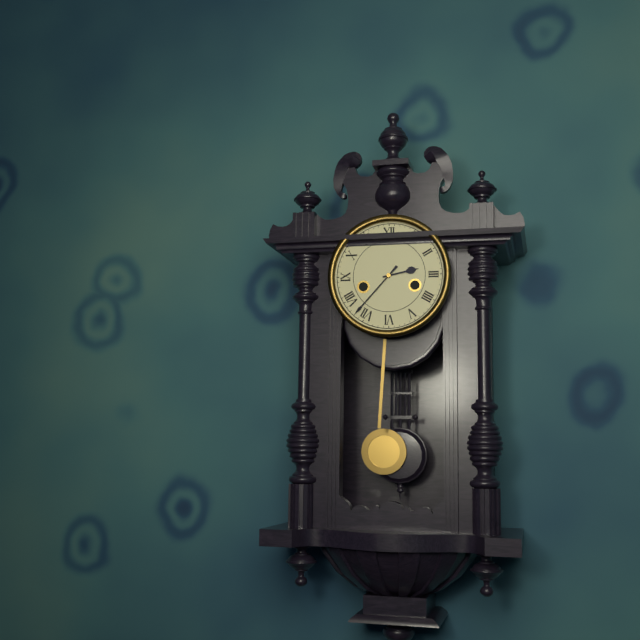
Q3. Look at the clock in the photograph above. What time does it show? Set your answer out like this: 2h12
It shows 2h37
